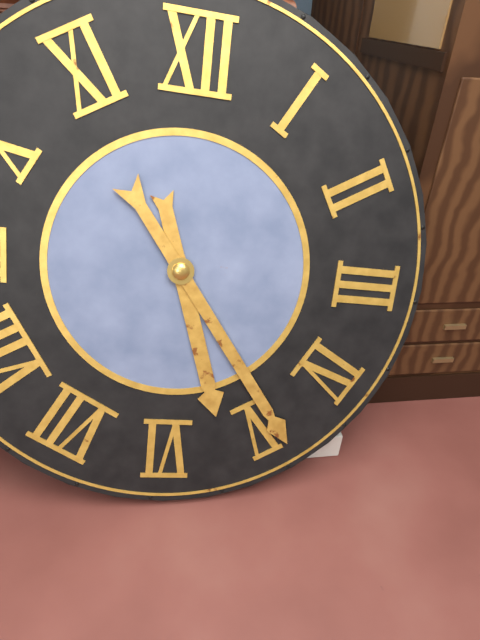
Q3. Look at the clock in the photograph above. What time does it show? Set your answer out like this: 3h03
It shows 5h24
